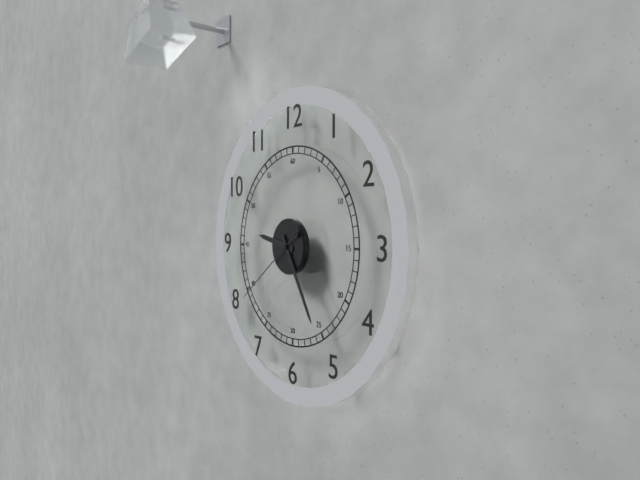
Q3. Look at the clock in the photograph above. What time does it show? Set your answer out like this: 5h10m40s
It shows 9h25m39s
